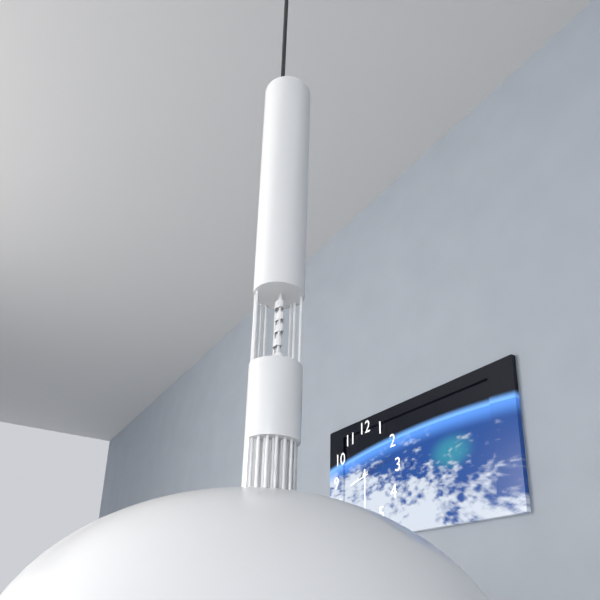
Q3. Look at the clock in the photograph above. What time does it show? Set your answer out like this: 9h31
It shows 8h30
